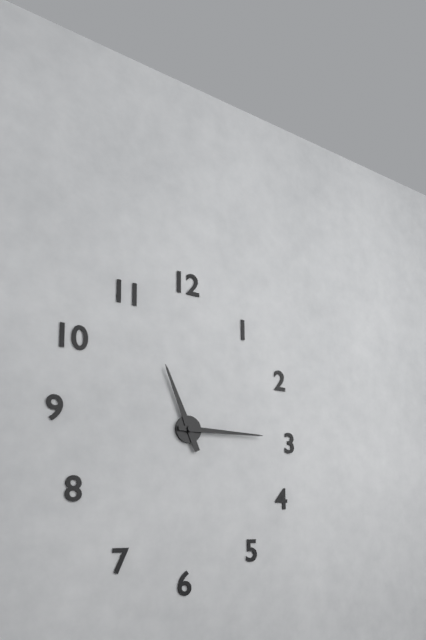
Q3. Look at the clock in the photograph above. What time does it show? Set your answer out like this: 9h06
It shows 11h15
